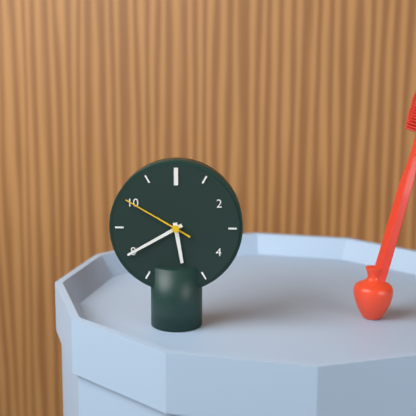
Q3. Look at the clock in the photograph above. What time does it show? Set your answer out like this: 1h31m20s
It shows 5h40m50s
